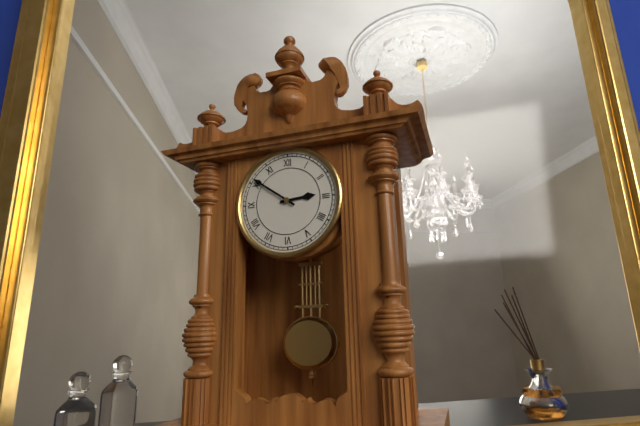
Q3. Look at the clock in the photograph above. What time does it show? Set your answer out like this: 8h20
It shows 2h51
